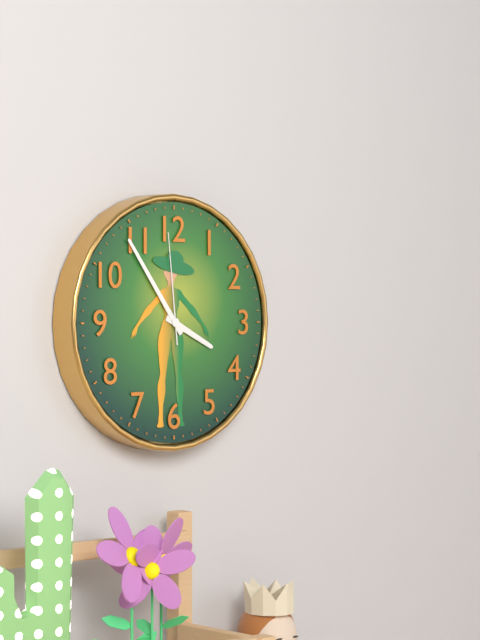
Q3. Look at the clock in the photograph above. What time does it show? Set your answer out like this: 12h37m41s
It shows 3h54m59s
